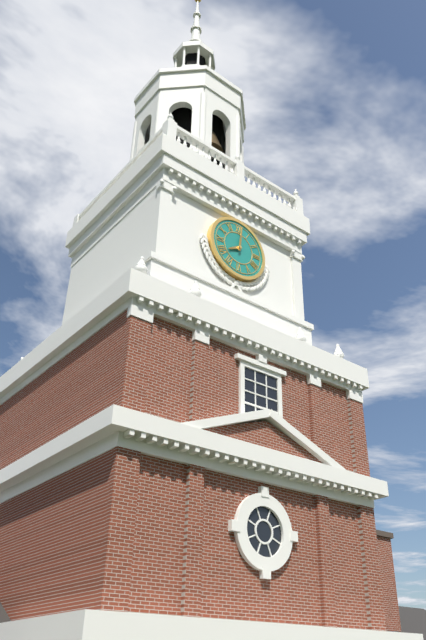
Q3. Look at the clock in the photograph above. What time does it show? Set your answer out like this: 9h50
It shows 8h01
